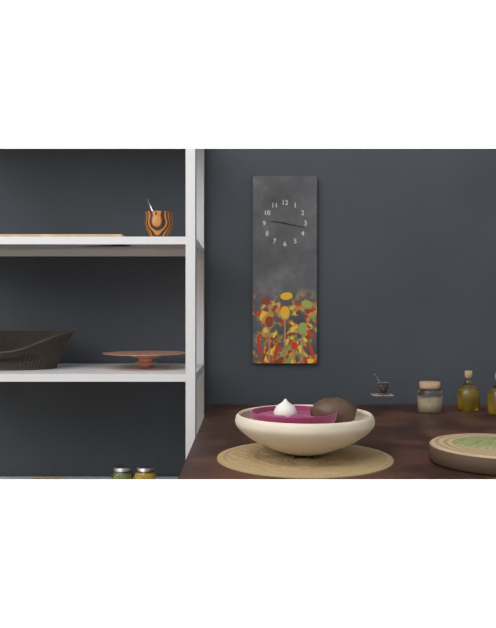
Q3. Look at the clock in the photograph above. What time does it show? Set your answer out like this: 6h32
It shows 9h17
